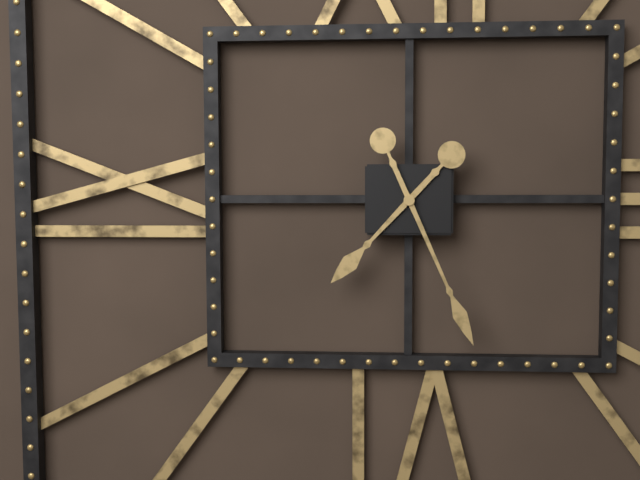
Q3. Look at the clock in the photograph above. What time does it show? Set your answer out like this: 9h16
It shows 7h26
